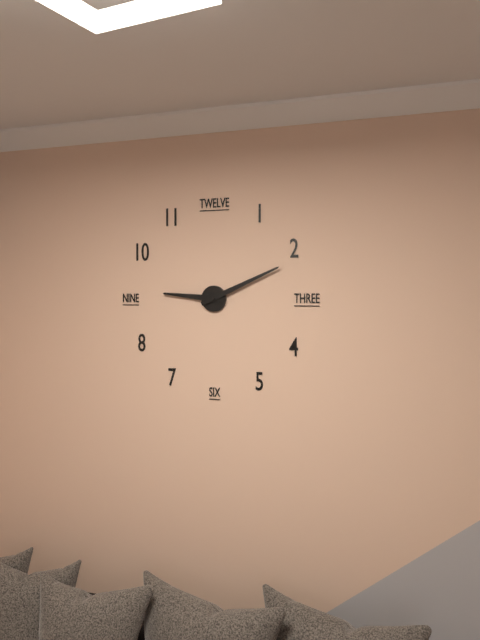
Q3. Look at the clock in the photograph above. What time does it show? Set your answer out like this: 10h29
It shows 9h11
